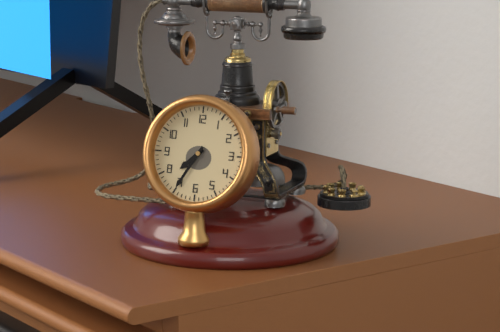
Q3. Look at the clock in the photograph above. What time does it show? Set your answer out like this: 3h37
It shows 7h35
